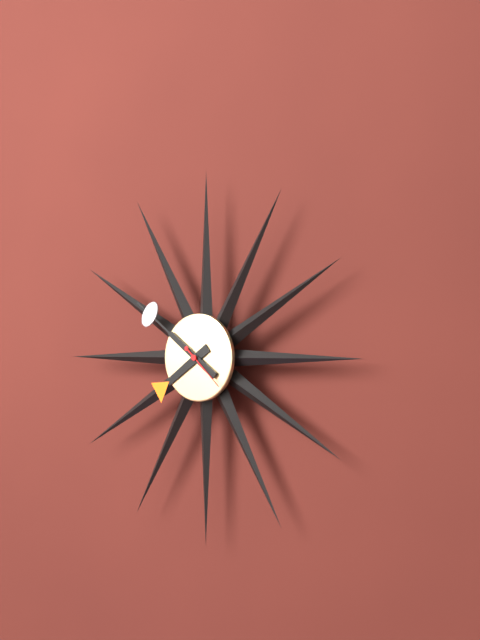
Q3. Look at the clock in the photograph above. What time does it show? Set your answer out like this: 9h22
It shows 7h51
